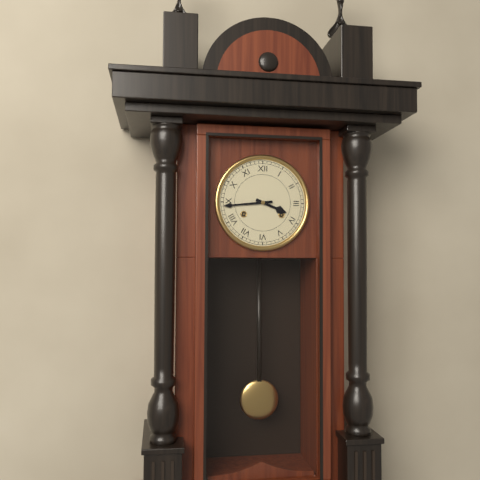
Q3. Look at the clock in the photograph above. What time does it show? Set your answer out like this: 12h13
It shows 3h44
